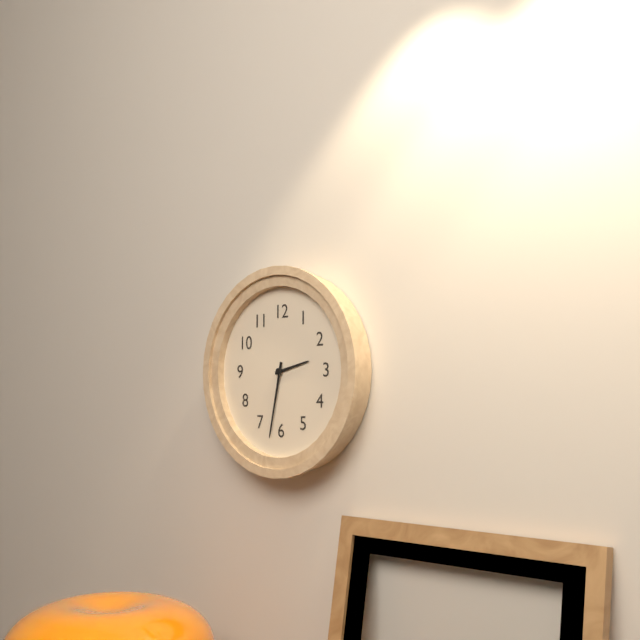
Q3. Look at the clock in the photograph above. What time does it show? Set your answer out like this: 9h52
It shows 2h32
